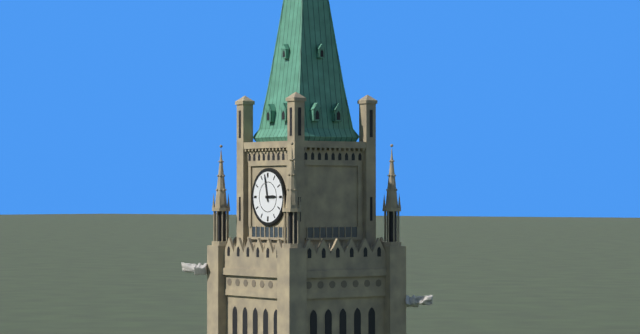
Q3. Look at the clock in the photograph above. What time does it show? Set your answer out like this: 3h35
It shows 2h58
